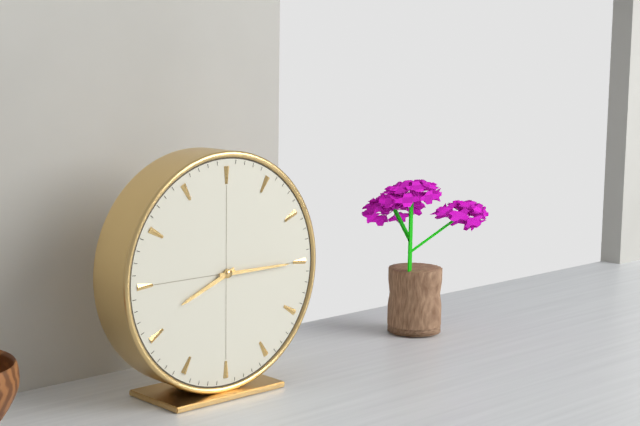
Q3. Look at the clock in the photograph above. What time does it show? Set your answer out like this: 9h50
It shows 8h15
